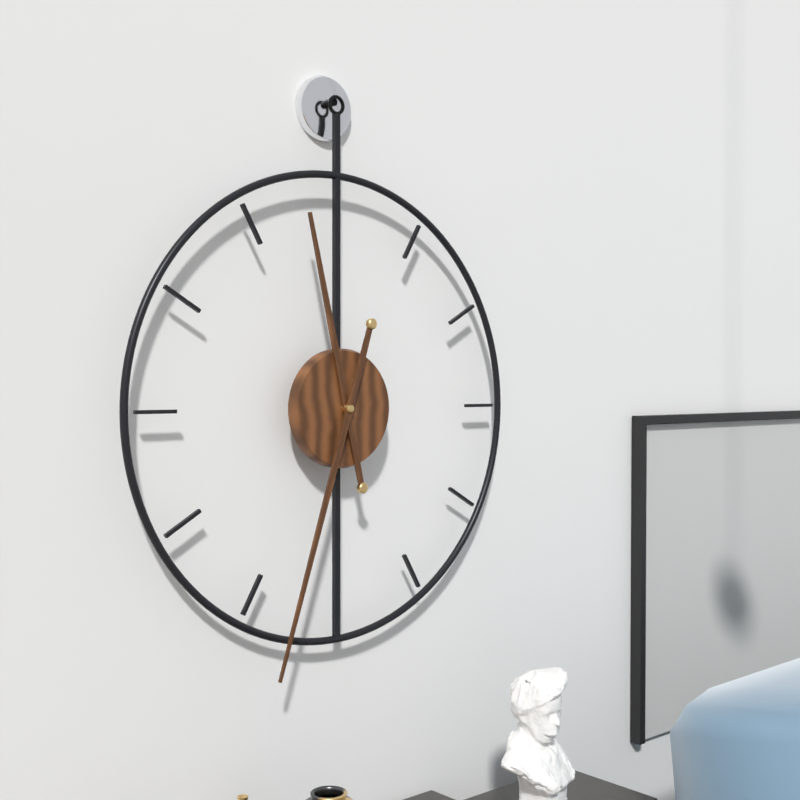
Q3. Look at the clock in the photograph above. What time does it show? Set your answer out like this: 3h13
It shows 11h33
